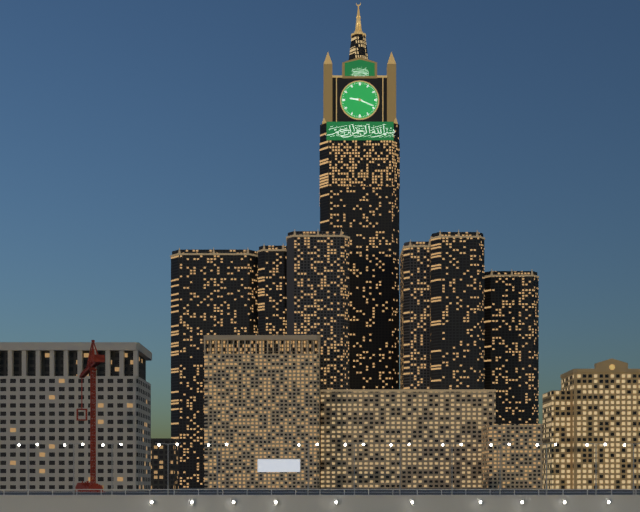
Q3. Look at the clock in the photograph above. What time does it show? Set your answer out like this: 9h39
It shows 9h19
